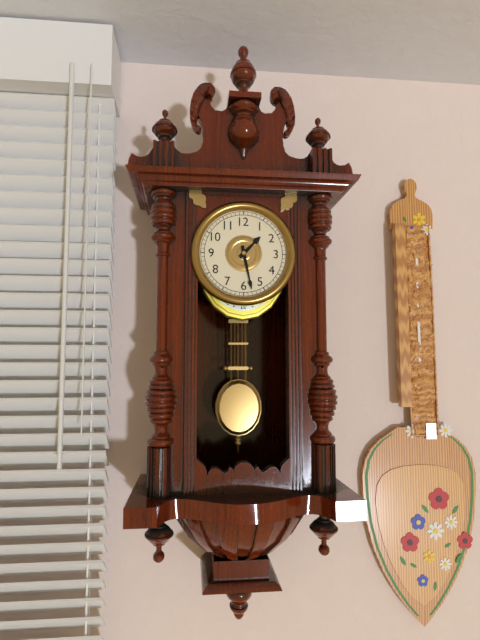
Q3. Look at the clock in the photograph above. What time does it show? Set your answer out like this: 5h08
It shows 1h28
